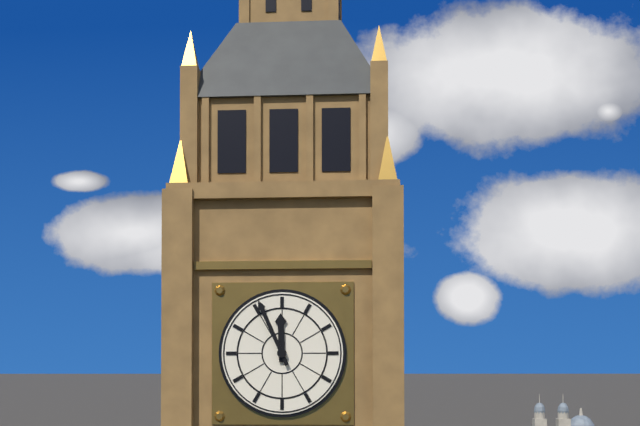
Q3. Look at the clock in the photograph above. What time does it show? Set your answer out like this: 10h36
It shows 11h56
